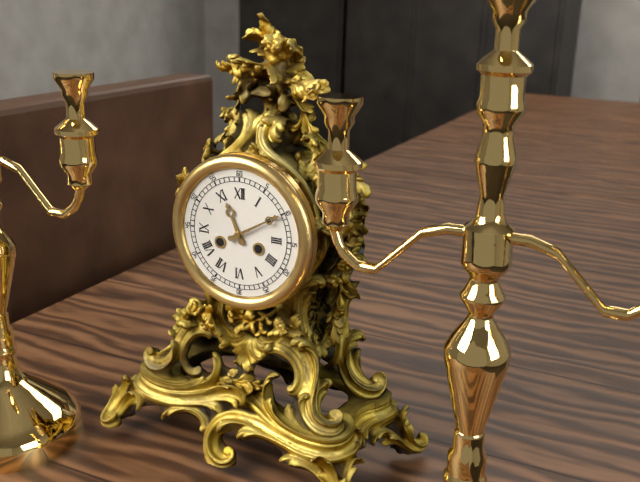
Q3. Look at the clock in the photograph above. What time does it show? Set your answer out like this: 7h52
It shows 11h10
